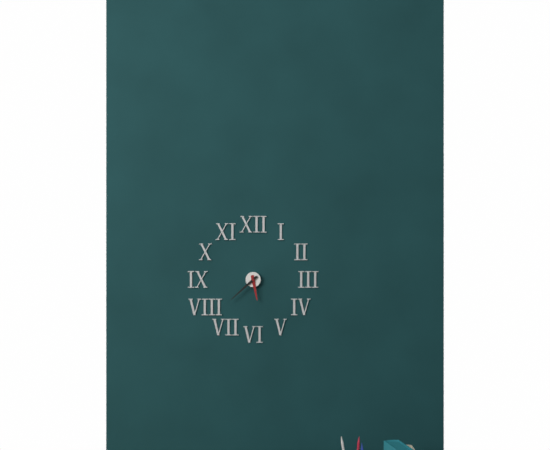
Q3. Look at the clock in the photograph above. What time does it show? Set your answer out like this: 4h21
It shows 5h38
